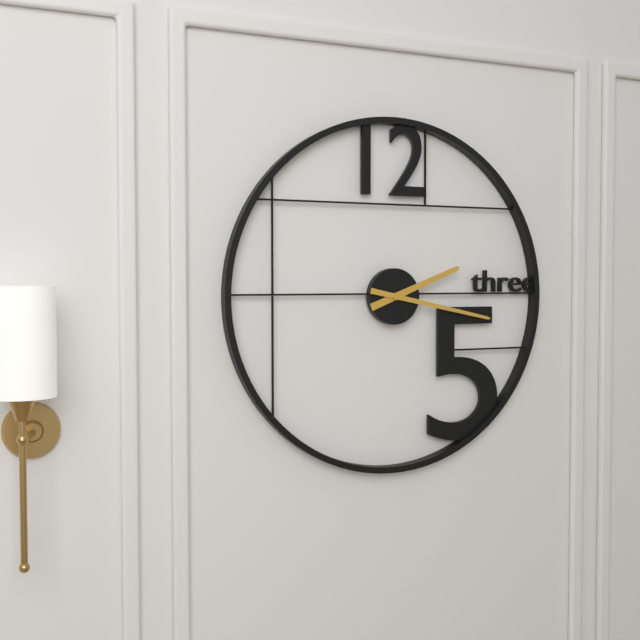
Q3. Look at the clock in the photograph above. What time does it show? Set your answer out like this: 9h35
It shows 2h17
